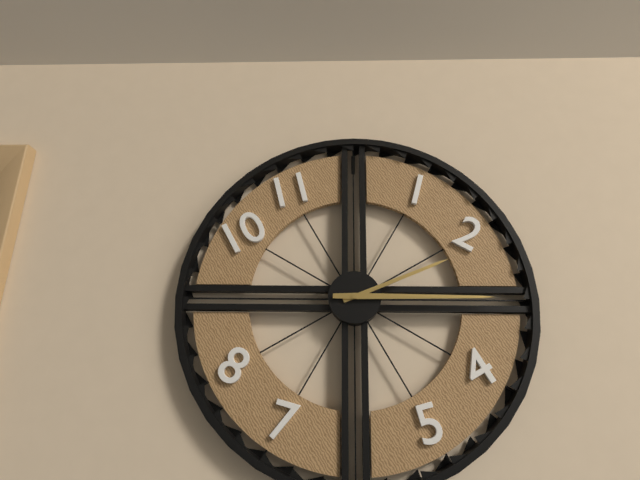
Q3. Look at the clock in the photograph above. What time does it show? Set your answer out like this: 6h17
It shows 2h15
